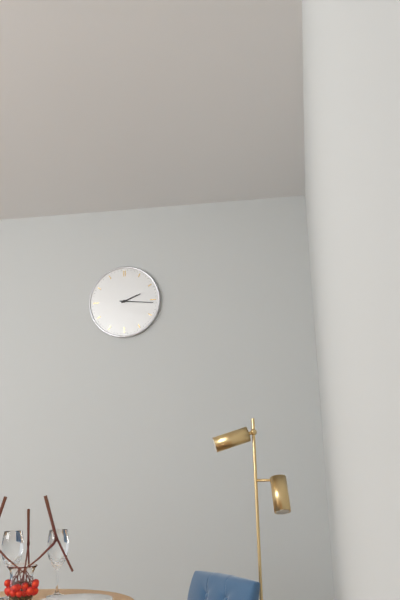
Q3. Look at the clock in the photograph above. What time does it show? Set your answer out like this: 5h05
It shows 2h16
